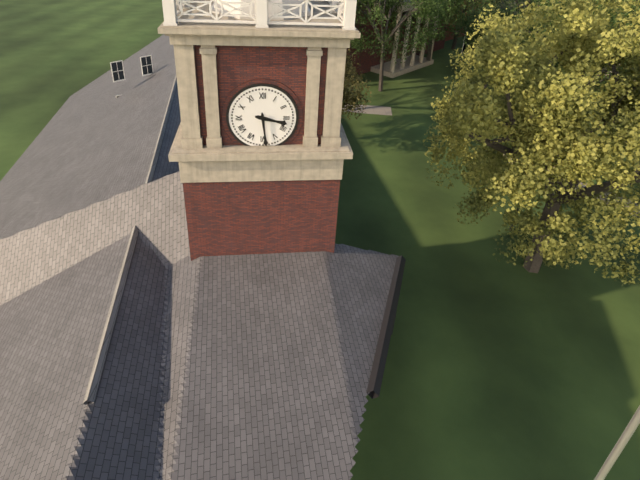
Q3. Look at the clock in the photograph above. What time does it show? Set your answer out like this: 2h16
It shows 3h29
